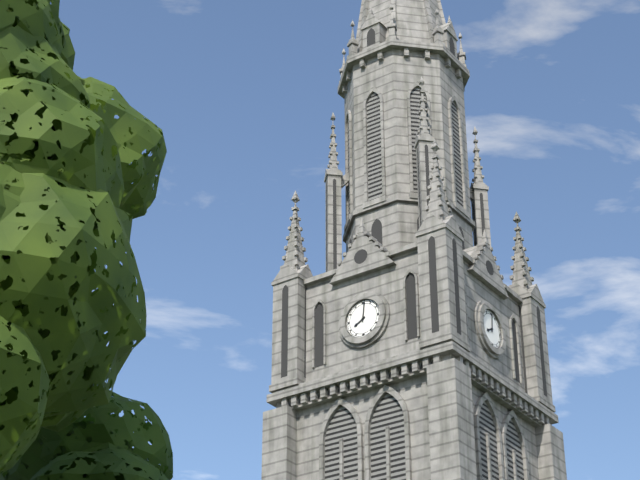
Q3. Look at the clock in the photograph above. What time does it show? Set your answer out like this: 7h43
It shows 8h01
